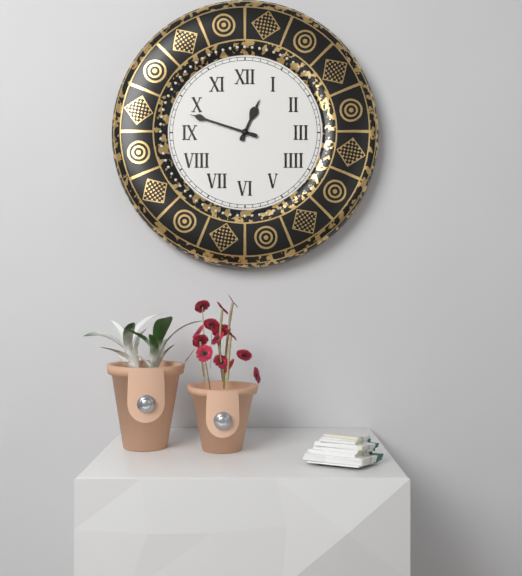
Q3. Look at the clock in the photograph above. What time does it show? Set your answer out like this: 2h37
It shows 12h48
